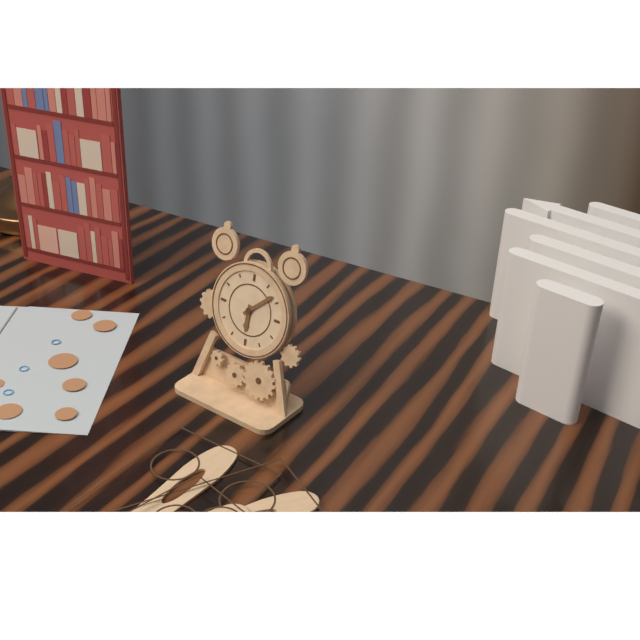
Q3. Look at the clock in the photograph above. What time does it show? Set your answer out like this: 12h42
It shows 6h08
